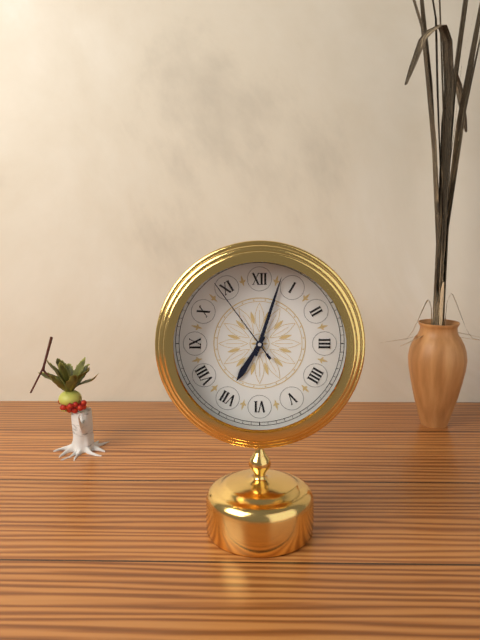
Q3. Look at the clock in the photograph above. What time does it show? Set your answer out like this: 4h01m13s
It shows 7h03m54s
